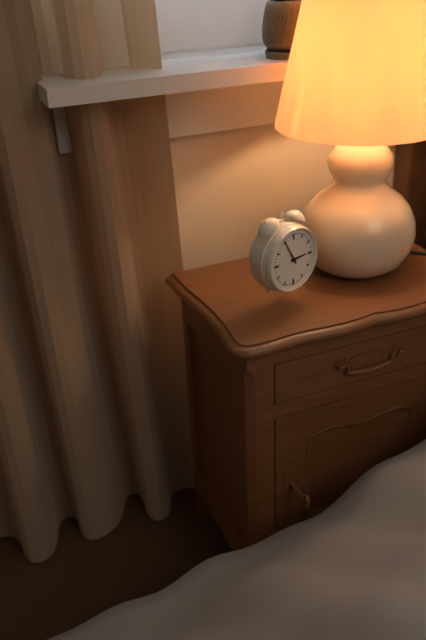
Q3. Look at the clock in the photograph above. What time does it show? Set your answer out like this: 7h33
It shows 2h55
